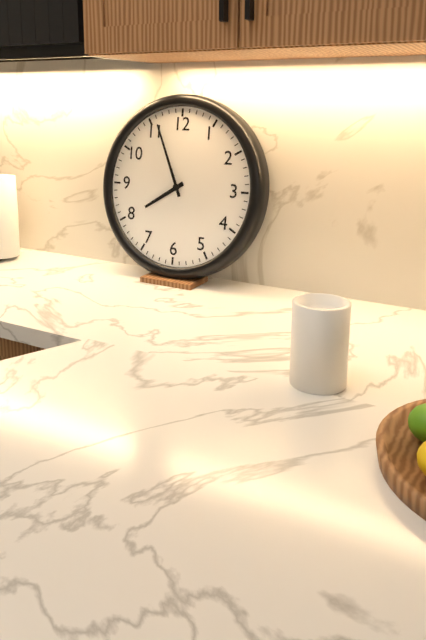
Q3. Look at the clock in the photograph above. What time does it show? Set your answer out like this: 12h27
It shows 7h56
